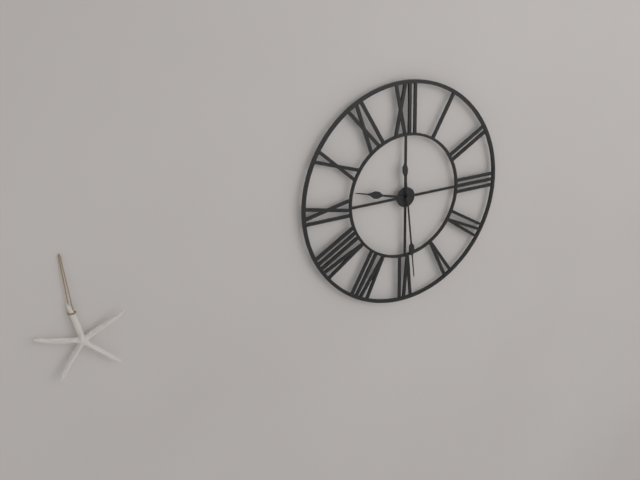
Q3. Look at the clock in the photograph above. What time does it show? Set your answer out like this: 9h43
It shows 9h29
